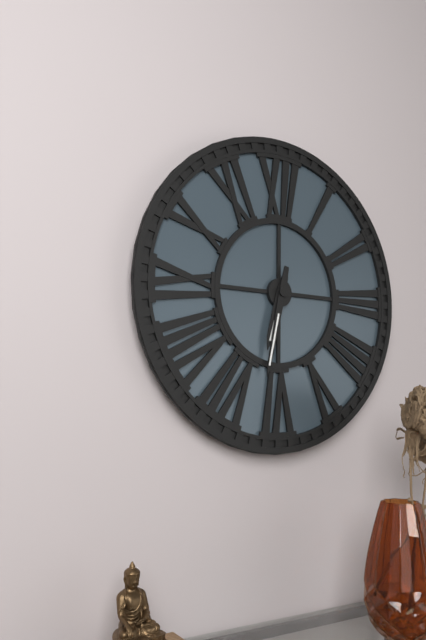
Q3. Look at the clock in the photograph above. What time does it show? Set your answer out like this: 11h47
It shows 6h32
